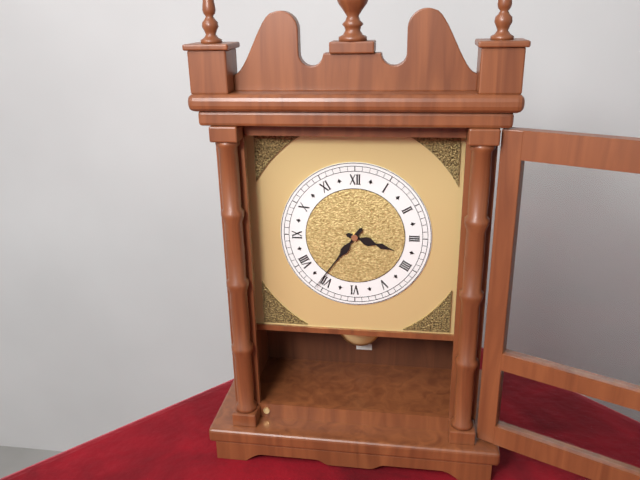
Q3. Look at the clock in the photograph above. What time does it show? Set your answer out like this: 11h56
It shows 3h36
